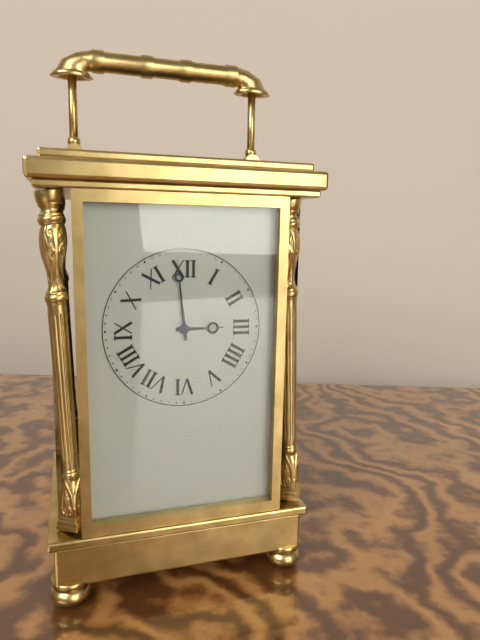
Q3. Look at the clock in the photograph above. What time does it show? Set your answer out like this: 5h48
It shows 2h59
